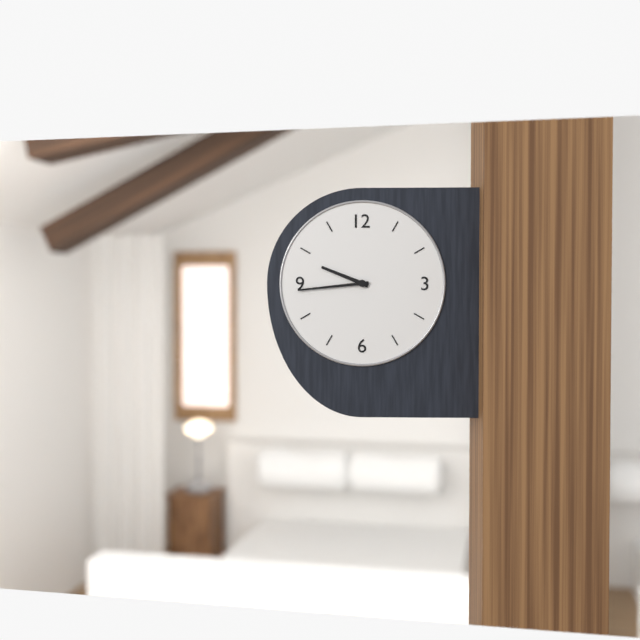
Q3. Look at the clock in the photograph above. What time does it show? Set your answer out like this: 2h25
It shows 9h44
